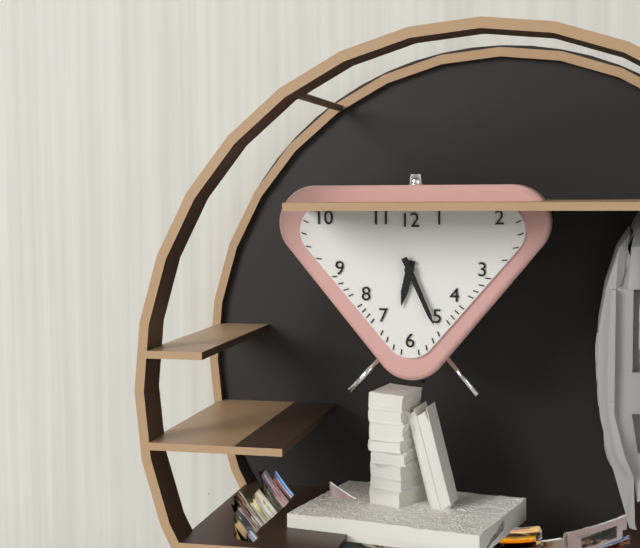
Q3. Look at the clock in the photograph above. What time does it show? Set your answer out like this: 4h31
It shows 6h26
